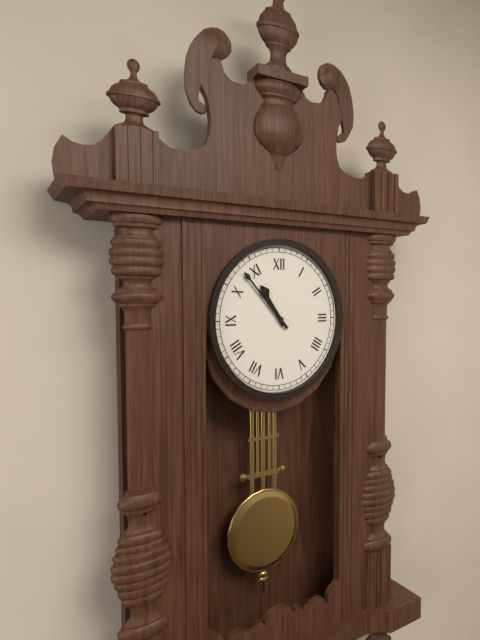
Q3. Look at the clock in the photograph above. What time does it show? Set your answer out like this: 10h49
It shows 10h53
